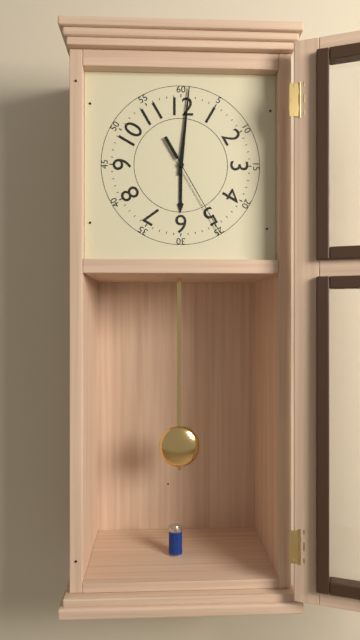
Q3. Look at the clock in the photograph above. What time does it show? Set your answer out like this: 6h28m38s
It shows 6h01m25s
